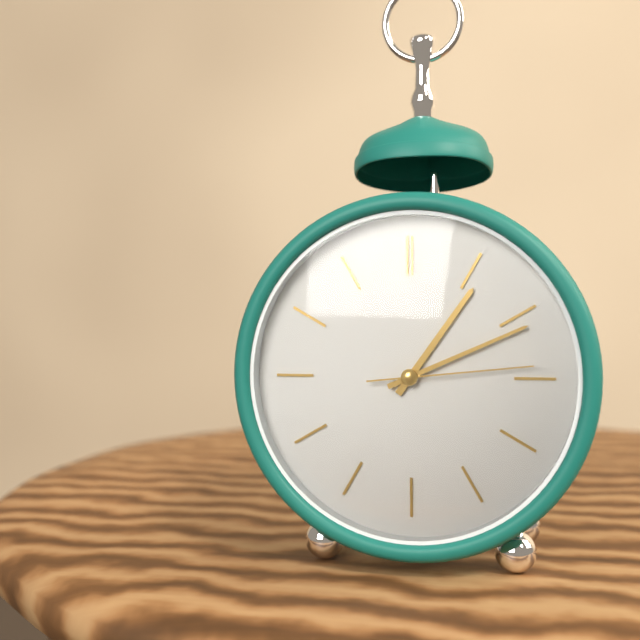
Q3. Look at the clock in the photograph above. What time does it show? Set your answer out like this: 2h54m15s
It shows 1h11m14s
